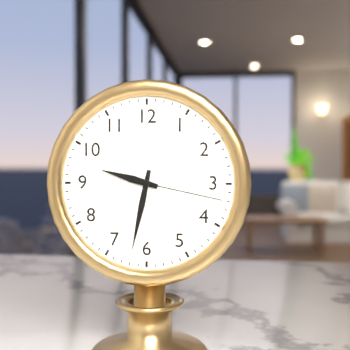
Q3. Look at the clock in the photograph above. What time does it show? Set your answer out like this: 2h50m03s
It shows 9h32m17s
